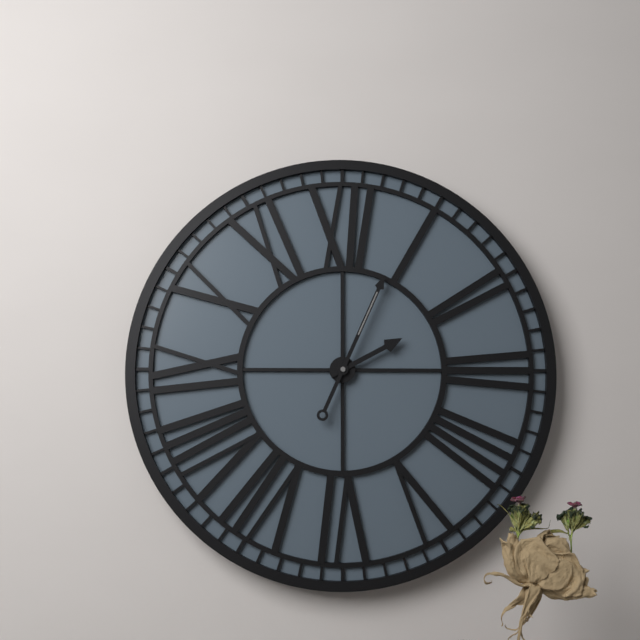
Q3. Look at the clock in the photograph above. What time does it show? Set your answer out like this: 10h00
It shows 2h04
